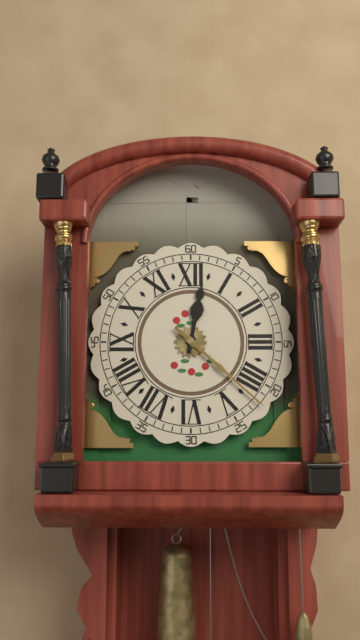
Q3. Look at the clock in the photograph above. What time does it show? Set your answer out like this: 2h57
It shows 12h22
